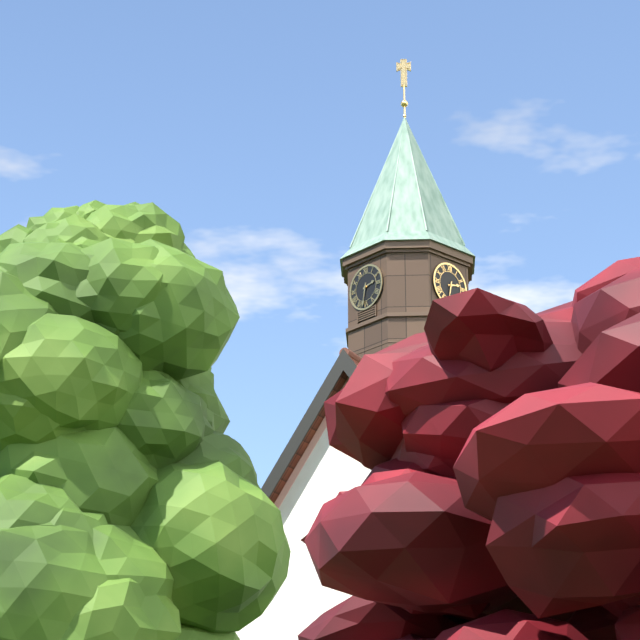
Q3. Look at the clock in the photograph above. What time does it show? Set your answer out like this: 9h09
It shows 2h32
